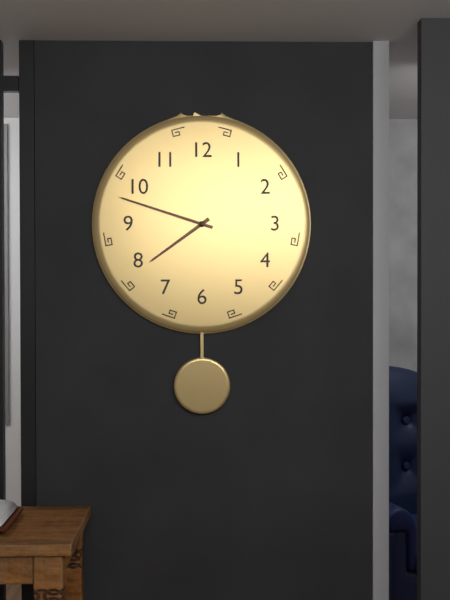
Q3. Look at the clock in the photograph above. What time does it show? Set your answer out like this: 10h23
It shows 7h48
